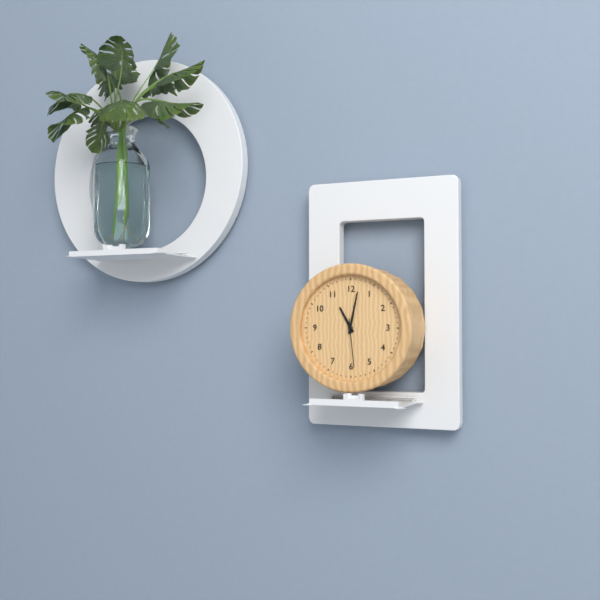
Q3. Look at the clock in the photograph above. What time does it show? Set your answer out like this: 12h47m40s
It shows 11h02m29s
